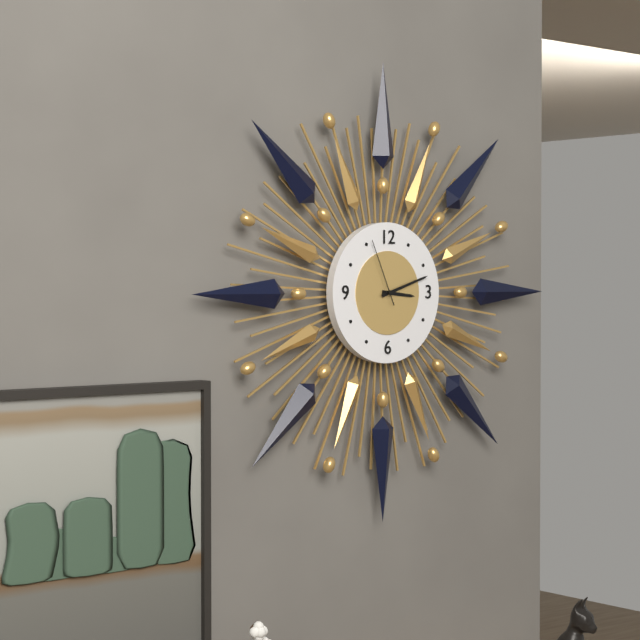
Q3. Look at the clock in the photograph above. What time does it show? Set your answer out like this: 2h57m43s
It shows 3h12m56s
